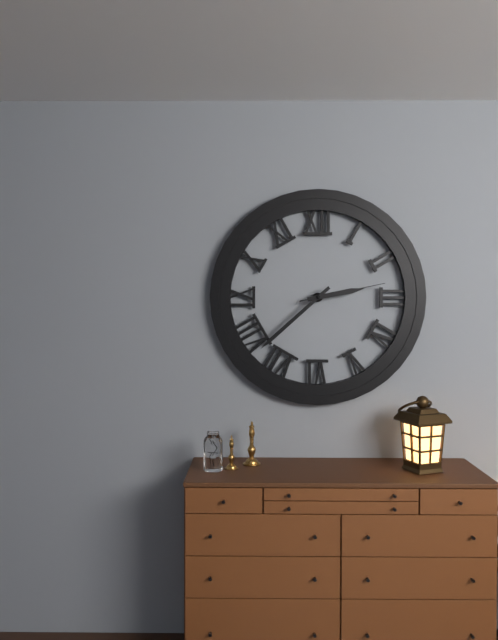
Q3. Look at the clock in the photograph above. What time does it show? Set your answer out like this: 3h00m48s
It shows 2h38m13s
